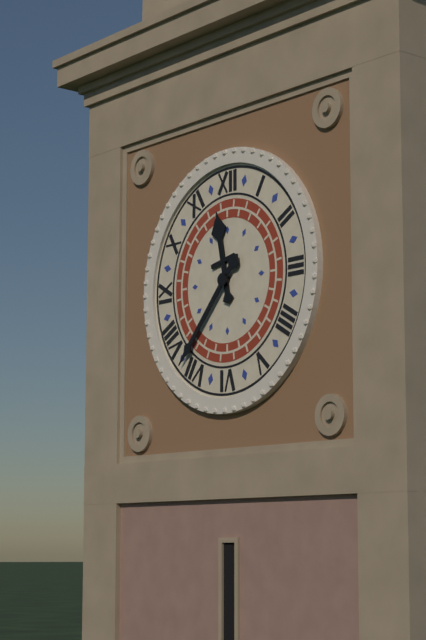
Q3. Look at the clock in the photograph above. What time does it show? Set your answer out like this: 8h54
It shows 11h37
